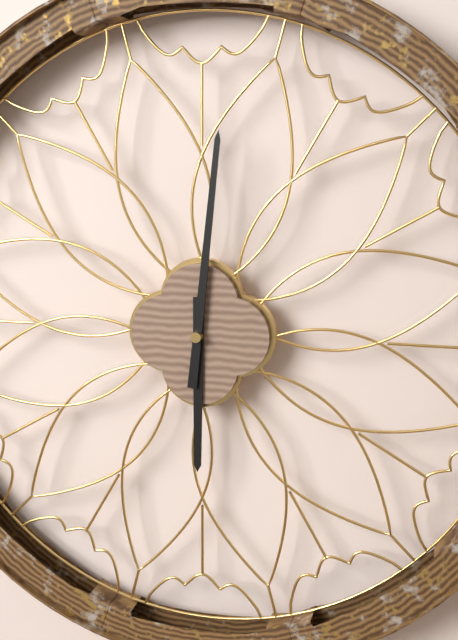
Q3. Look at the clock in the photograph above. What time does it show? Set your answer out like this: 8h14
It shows 6h01
